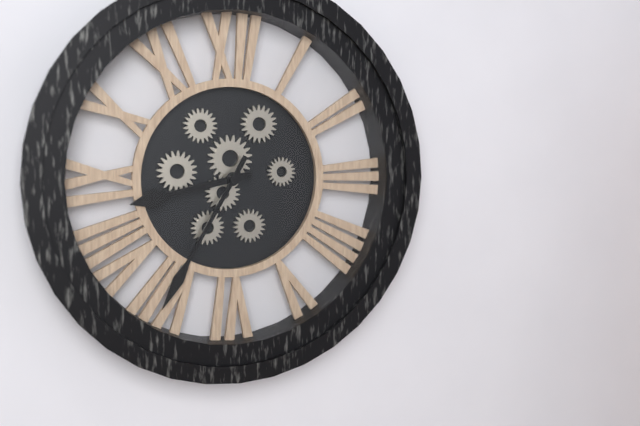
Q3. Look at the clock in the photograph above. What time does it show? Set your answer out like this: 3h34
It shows 8h35
